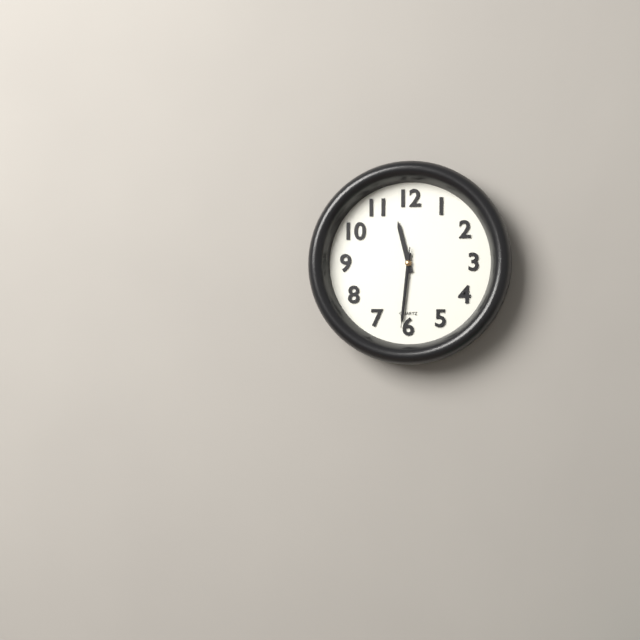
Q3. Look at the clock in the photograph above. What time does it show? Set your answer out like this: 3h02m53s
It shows 11h31m31s
